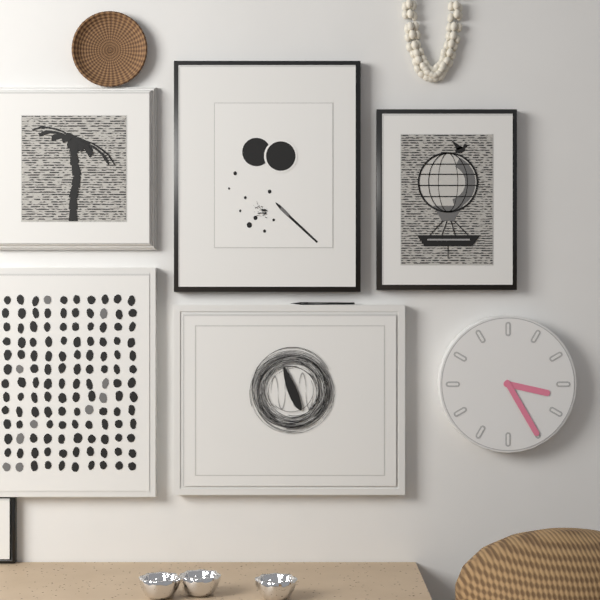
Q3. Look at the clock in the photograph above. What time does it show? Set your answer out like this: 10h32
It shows 3h25
